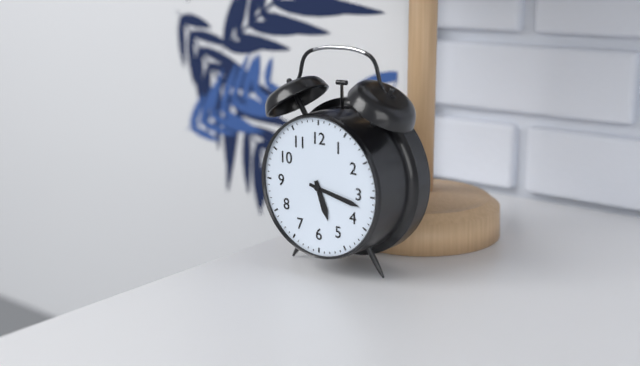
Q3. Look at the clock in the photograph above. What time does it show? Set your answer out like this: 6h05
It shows 5h17
